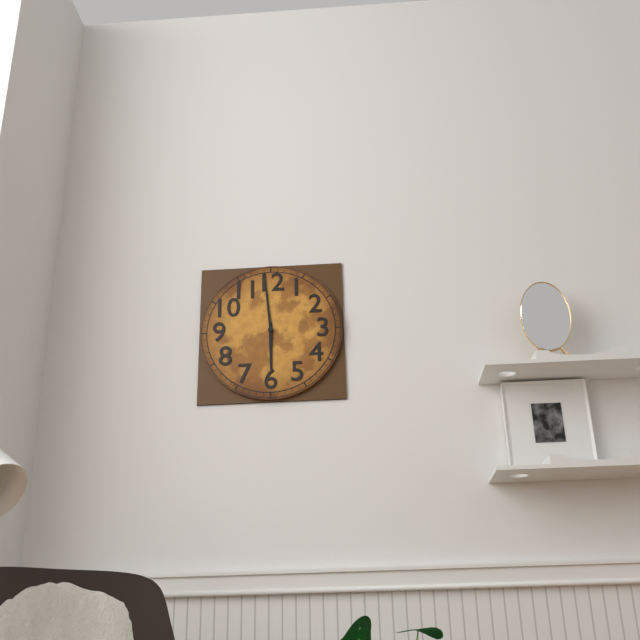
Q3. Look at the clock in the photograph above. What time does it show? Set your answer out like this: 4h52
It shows 5h59
